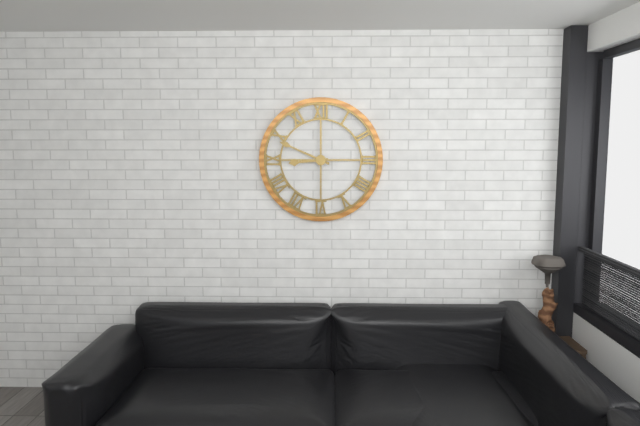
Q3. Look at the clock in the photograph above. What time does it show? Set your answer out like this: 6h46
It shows 8h49
